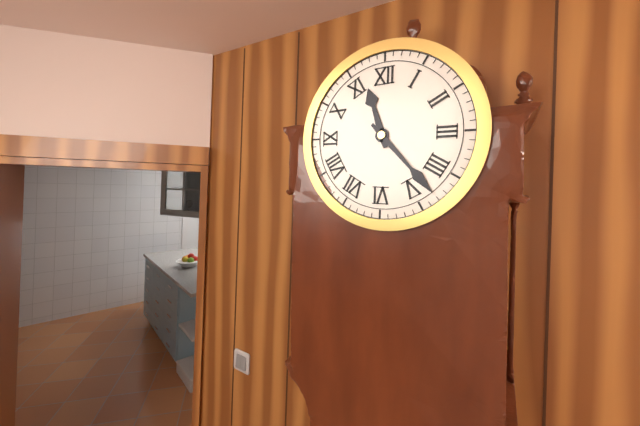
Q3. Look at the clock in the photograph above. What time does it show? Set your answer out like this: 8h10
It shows 11h23
